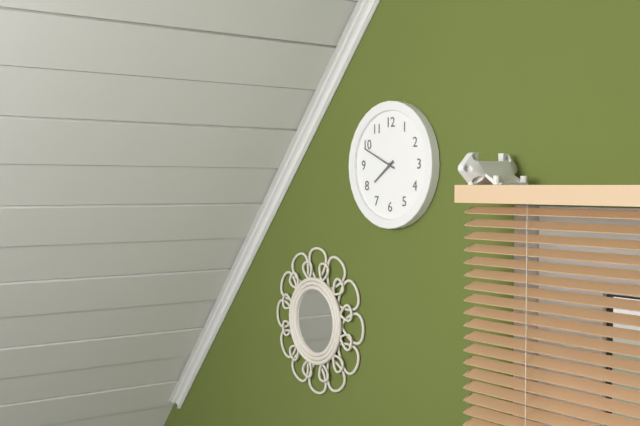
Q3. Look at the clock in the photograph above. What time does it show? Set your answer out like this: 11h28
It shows 7h49
